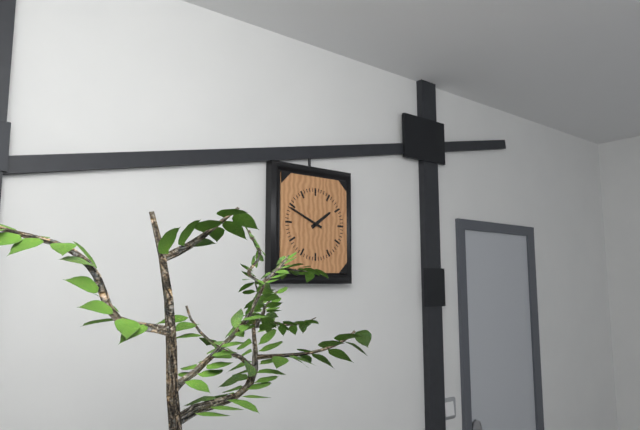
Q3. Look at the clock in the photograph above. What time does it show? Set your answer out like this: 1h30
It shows 1h49
